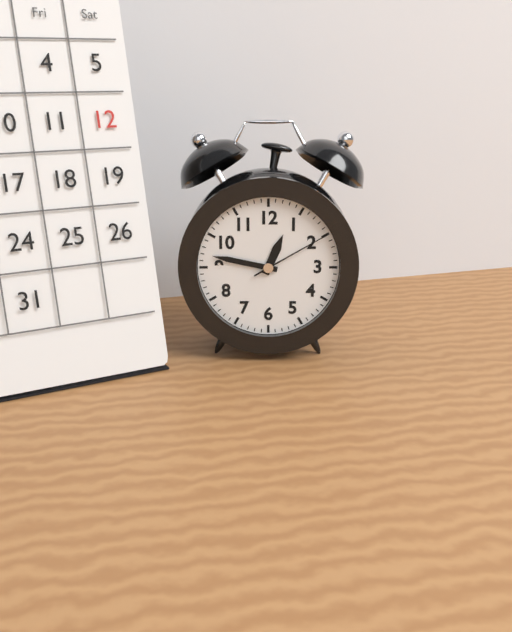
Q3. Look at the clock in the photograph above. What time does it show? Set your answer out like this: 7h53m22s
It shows 12h47m10s
